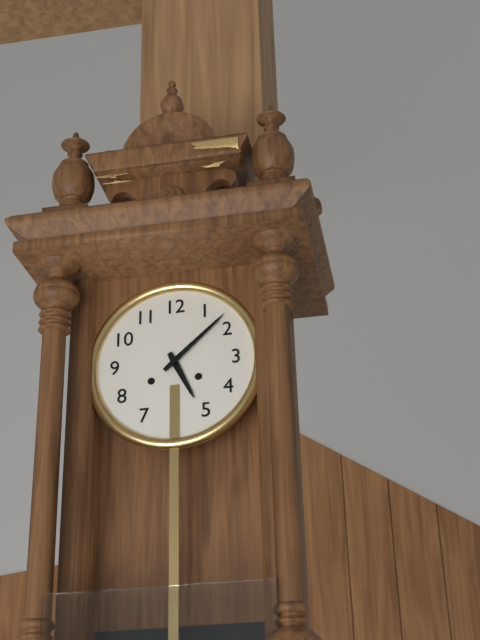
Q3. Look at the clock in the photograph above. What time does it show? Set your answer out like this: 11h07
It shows 5h08
